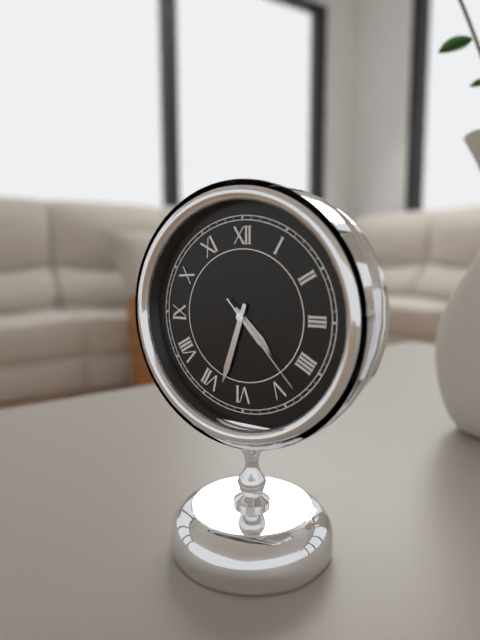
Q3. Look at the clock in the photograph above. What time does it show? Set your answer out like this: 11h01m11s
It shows 4h33m23s
